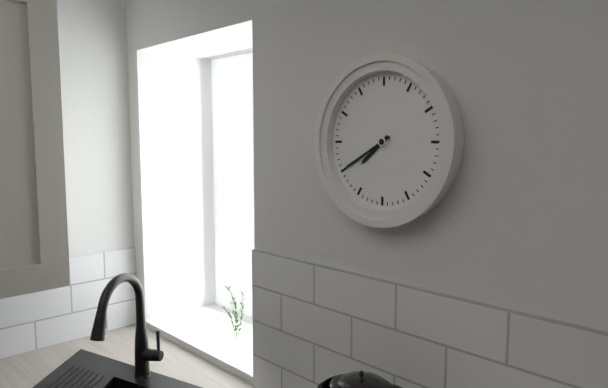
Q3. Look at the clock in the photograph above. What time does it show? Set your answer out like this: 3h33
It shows 7h40
